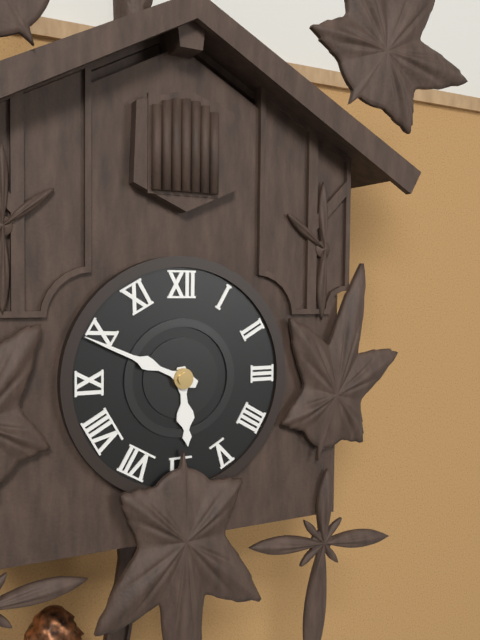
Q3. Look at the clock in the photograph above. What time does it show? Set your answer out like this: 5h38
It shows 5h49
